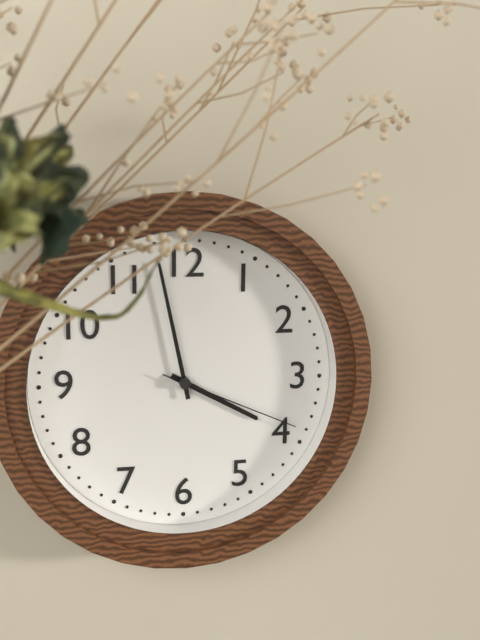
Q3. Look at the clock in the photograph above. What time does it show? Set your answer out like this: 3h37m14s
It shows 3h58m19s
